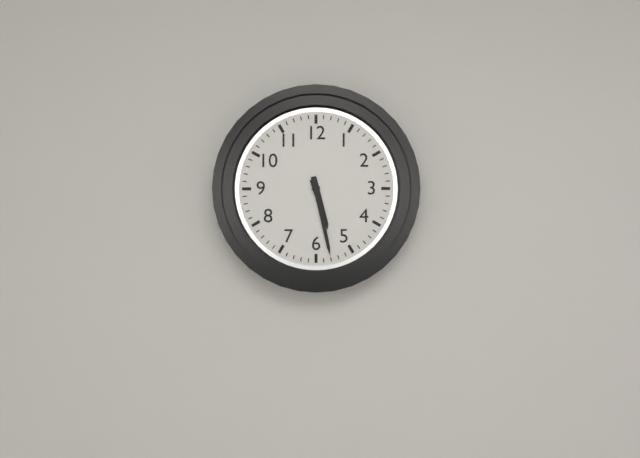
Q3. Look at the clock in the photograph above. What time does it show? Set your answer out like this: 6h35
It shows 5h28
